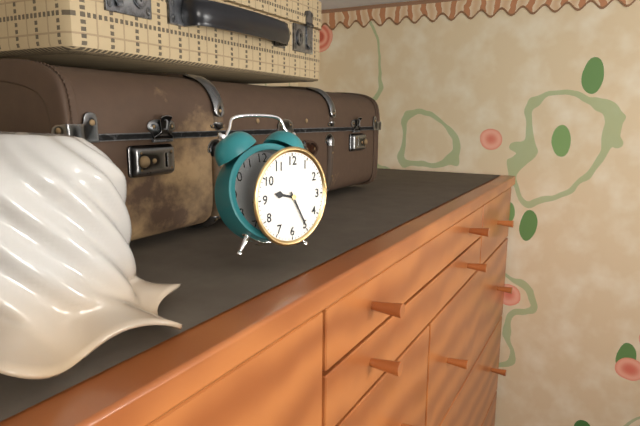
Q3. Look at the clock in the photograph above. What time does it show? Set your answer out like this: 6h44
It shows 9h25
